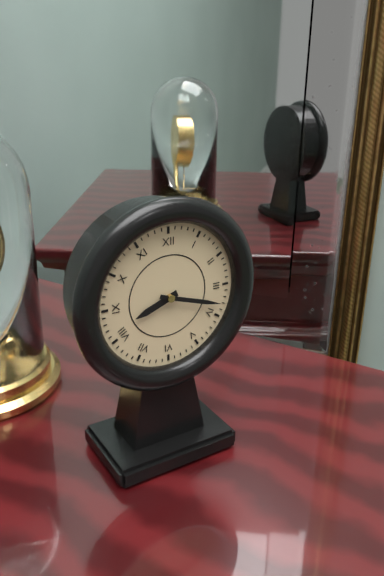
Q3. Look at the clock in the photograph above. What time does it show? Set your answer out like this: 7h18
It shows 8h18
